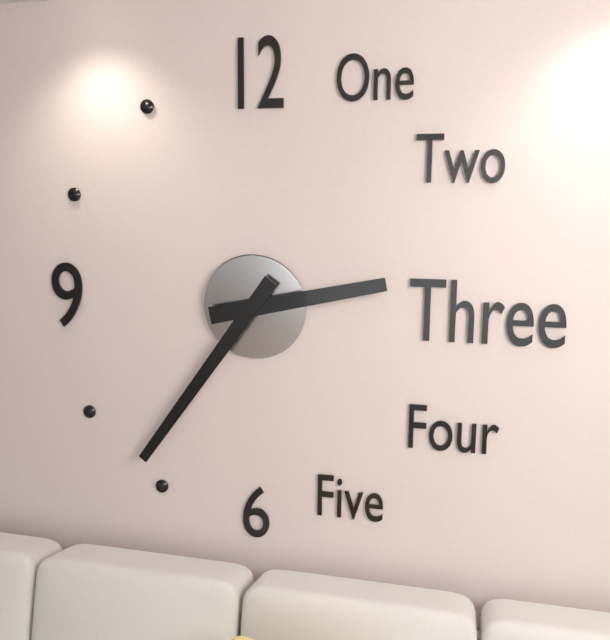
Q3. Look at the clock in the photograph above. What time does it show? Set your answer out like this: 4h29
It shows 2h36
